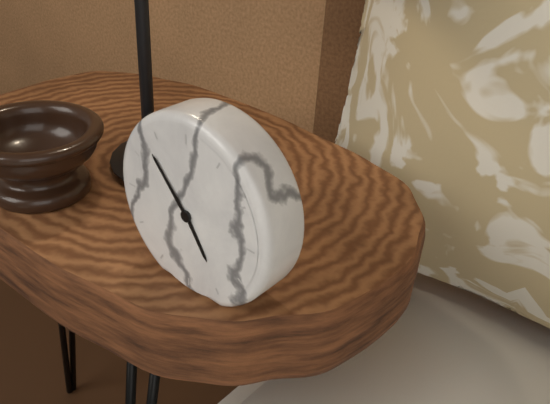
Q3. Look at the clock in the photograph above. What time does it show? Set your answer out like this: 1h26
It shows 4h53
